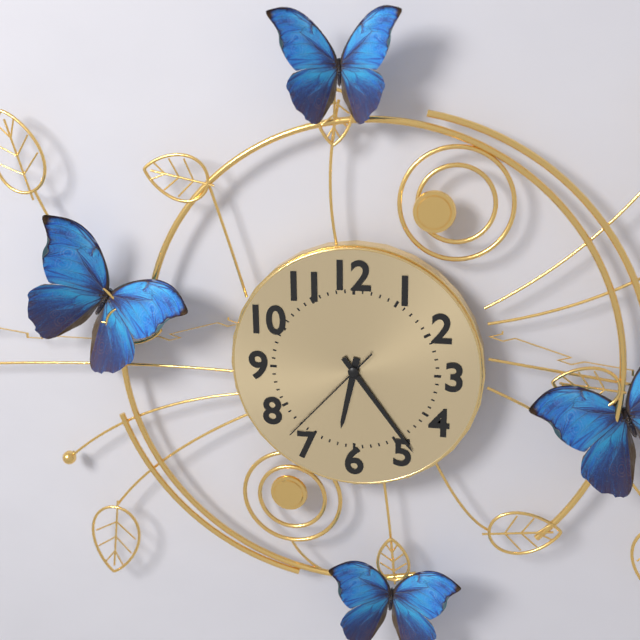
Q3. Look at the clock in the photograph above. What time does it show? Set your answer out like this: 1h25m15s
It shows 6h24m37s
